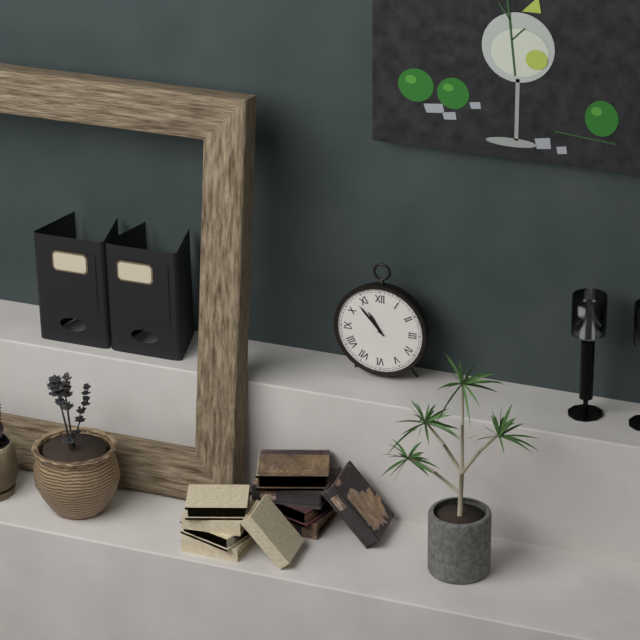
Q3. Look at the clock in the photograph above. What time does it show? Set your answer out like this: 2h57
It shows 10h53
